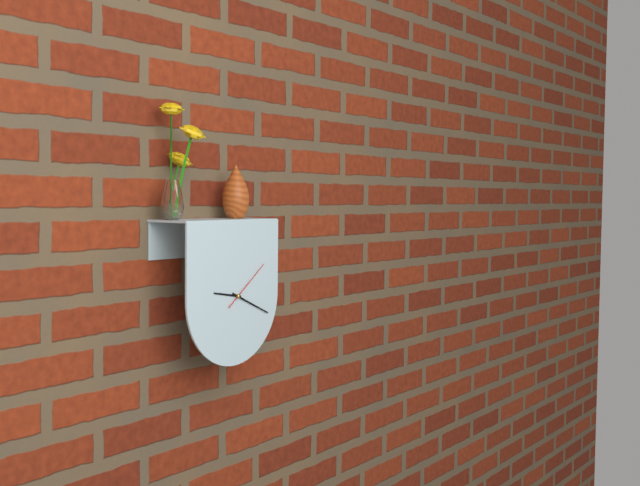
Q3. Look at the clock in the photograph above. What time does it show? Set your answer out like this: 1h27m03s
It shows 9h19m09s
